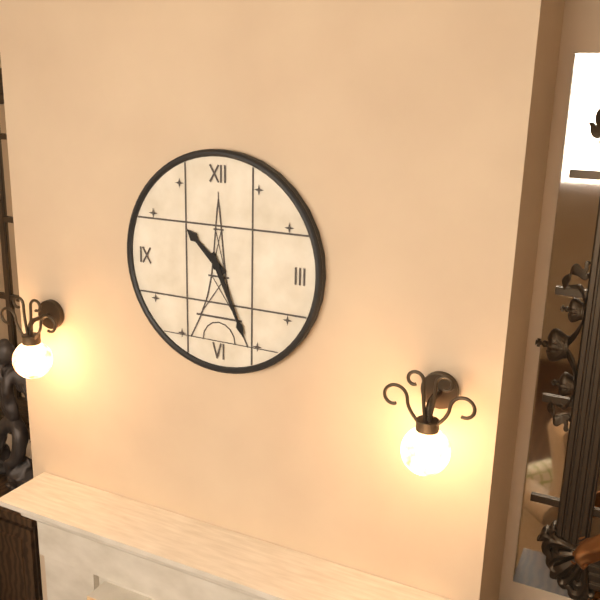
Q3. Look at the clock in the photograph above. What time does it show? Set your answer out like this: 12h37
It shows 10h26
